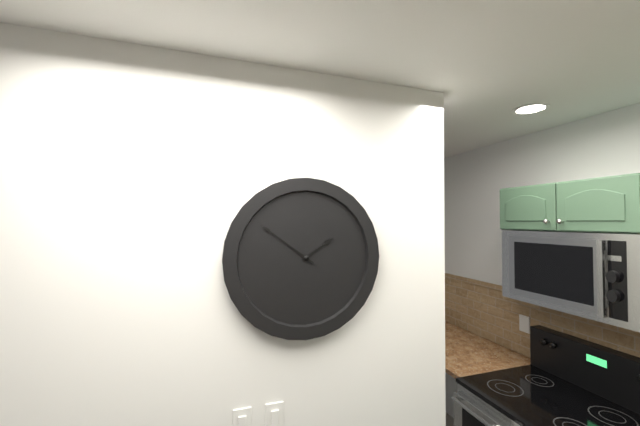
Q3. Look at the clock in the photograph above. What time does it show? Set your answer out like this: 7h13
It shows 1h51
